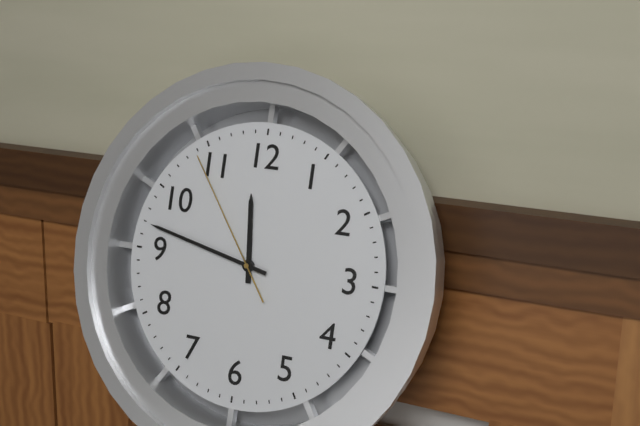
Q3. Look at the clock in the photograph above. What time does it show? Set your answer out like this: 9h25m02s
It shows 11h47m54s
